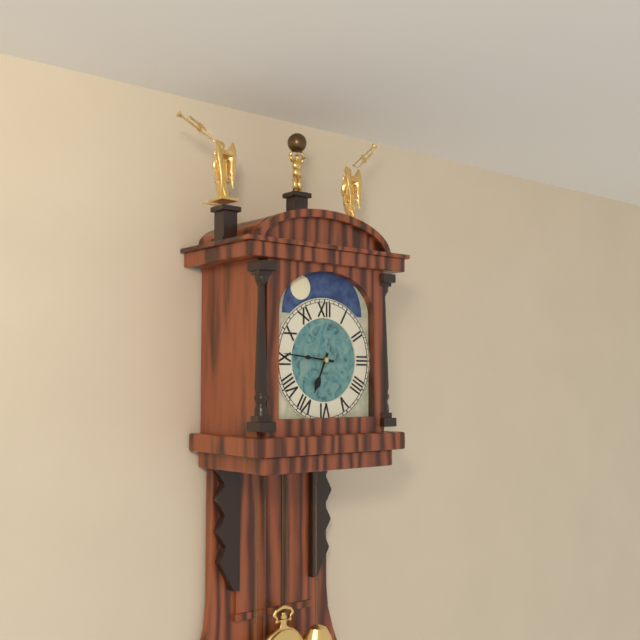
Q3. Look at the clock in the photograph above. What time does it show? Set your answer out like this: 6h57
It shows 6h46
